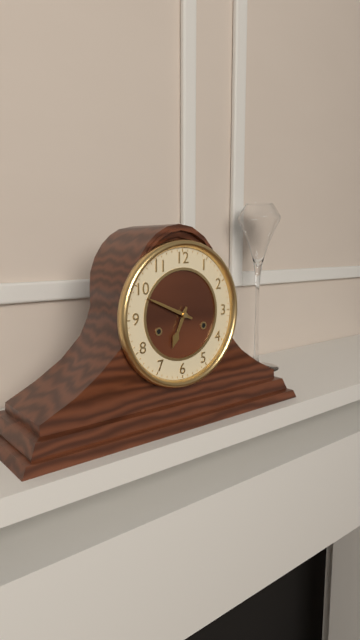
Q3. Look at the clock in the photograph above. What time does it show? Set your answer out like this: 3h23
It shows 6h49
